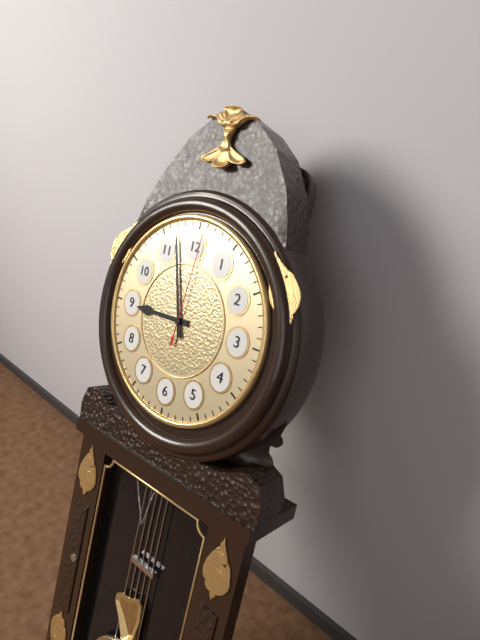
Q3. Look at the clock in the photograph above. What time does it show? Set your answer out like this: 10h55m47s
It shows 8h57m01s
